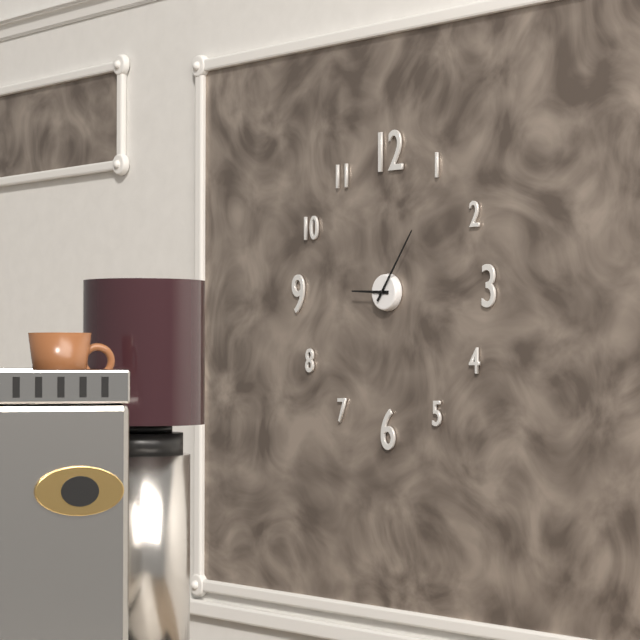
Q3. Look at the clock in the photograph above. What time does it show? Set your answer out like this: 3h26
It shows 9h06
